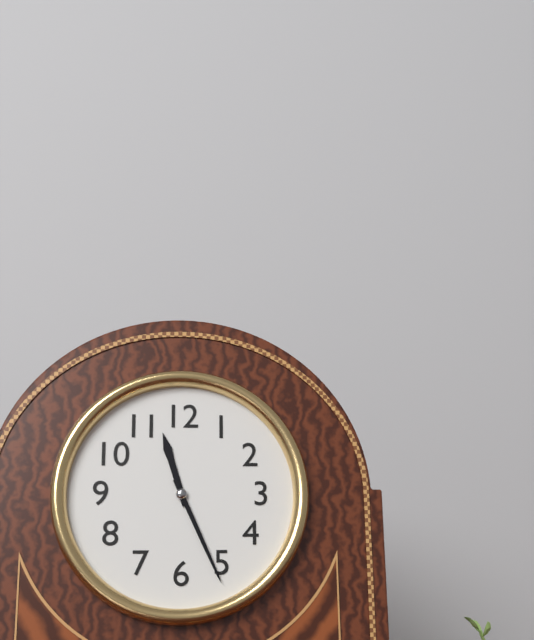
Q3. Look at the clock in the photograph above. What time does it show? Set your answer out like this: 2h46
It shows 11h26
